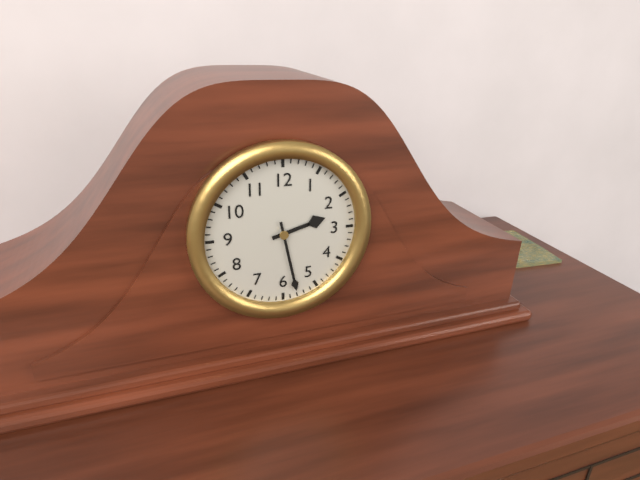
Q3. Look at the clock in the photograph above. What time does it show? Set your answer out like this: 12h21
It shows 2h28
